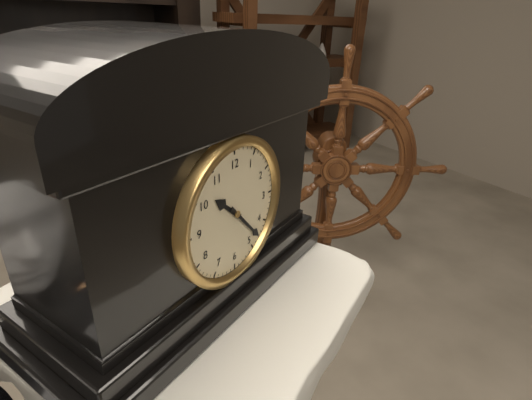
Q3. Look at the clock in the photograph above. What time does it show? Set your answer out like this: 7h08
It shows 10h23
